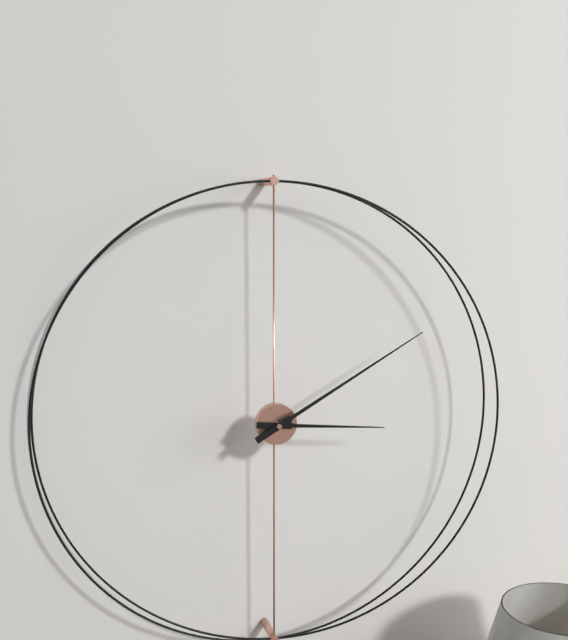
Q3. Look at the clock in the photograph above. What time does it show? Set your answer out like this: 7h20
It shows 3h10
